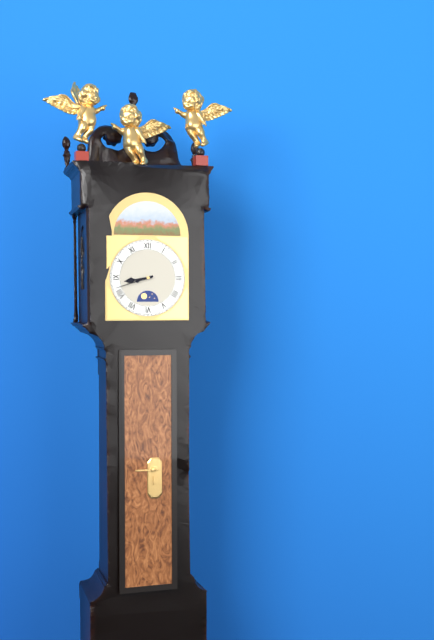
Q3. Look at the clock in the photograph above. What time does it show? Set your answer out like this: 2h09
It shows 8h42
